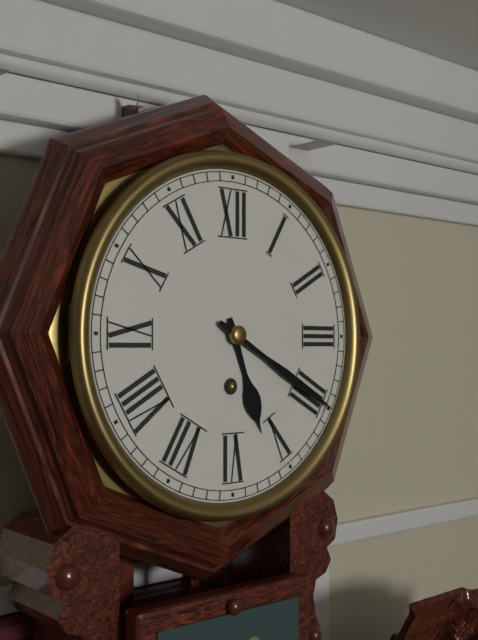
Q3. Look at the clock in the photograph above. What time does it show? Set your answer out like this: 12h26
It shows 5h20
